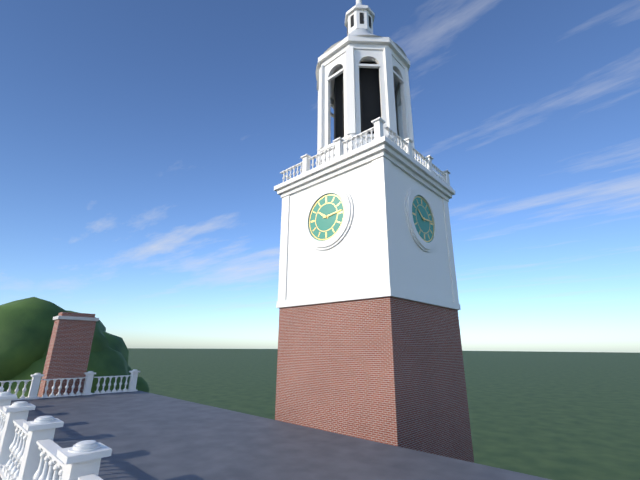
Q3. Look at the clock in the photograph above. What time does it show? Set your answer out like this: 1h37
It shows 10h14
